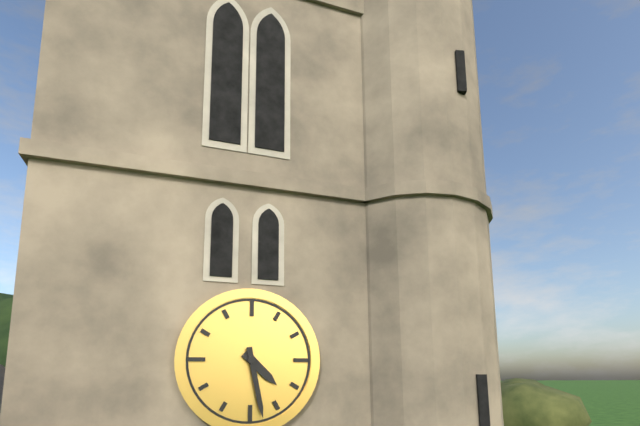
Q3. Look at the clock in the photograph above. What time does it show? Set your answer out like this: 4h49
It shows 4h28
